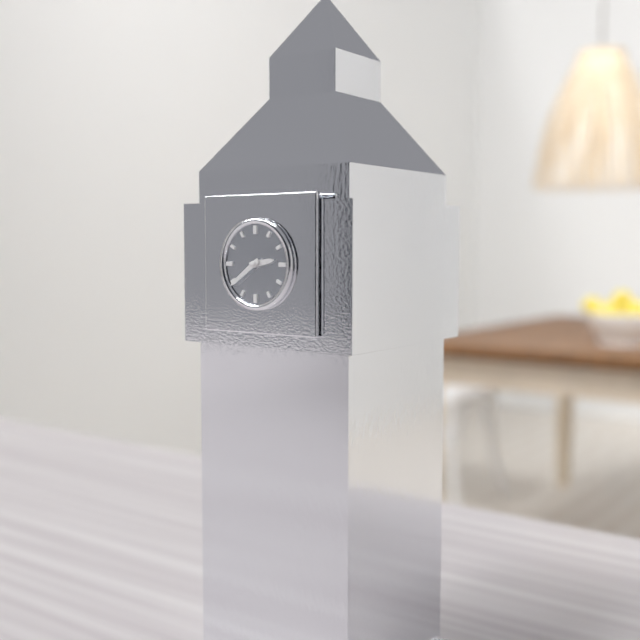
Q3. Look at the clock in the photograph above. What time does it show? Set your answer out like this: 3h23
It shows 2h39
